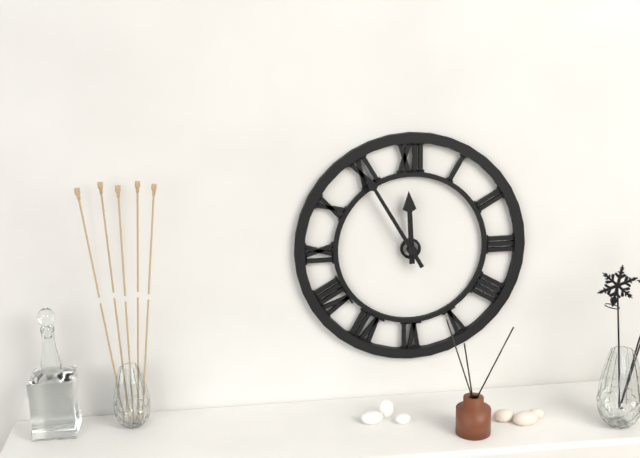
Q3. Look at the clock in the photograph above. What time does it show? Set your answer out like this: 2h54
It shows 11h55
